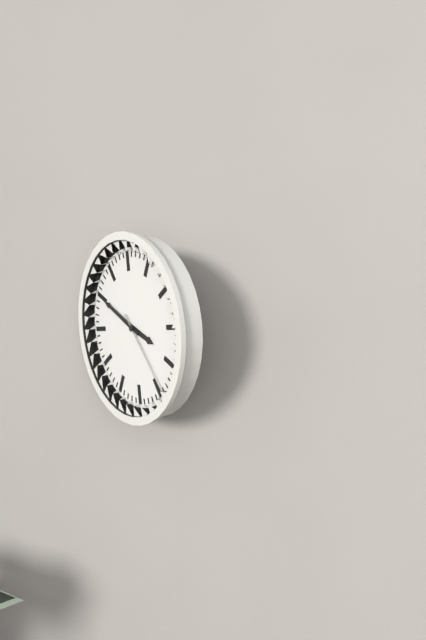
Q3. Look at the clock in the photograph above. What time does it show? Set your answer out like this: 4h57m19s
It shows 3h50m24s
